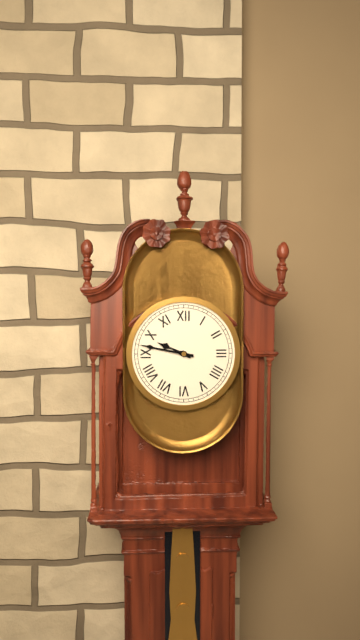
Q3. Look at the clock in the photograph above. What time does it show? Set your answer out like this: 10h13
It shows 9h47
